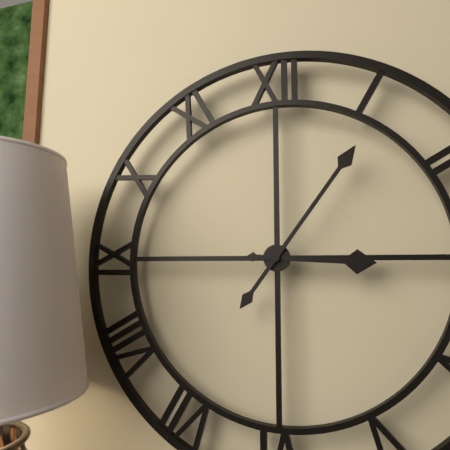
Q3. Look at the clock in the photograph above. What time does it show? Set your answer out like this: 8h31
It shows 3h06
